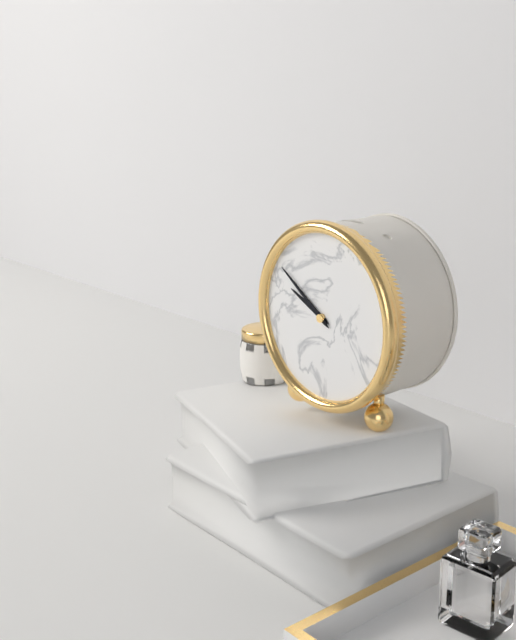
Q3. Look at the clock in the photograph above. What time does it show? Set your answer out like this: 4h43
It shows 9h51
